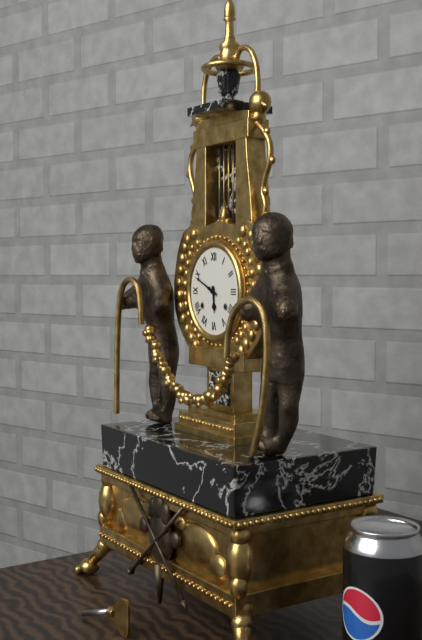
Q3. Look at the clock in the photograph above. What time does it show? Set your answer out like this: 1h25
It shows 5h49
